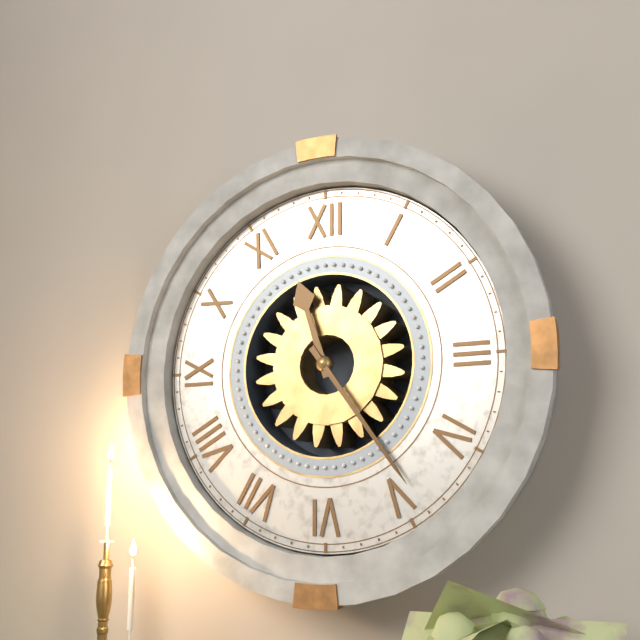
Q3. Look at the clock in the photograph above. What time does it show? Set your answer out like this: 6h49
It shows 11h24
